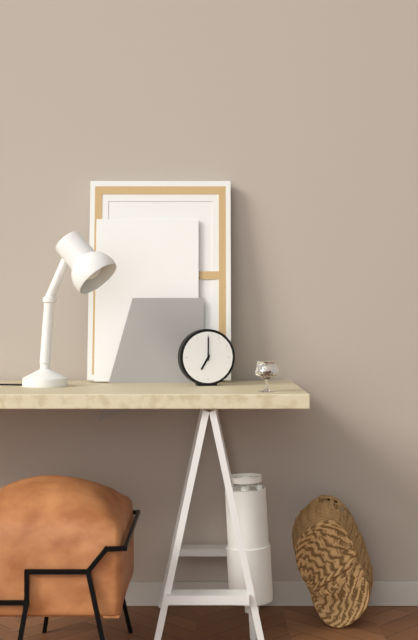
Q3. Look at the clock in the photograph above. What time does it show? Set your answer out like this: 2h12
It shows 7h00
